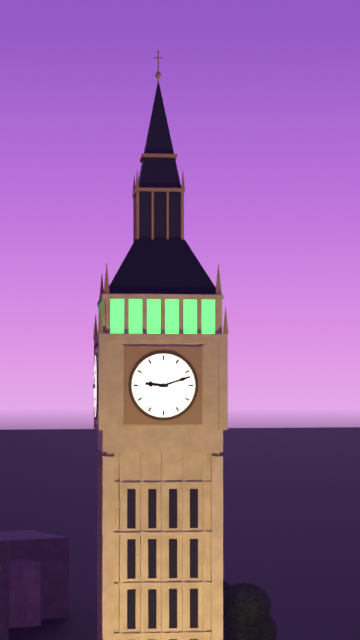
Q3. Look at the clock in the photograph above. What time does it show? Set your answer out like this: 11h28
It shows 9h12
